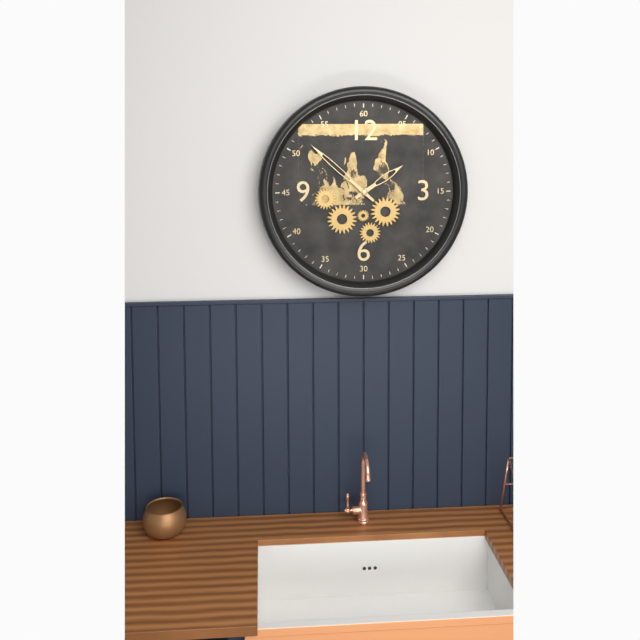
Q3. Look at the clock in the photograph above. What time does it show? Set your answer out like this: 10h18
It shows 1h52
